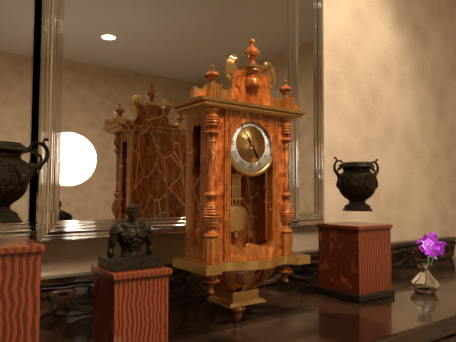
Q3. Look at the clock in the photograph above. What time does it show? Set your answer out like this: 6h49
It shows 4h54
